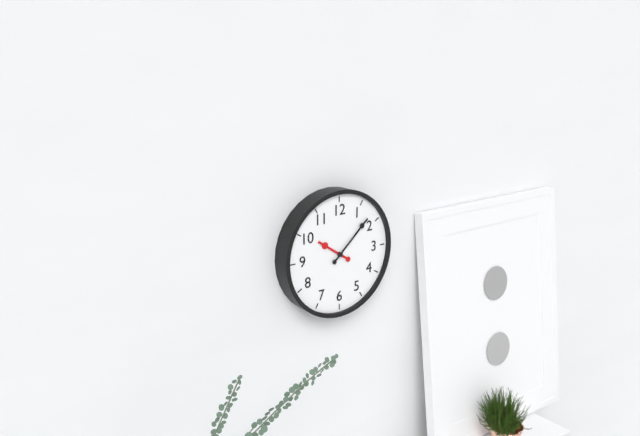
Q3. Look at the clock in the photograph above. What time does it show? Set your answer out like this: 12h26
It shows 10h08
